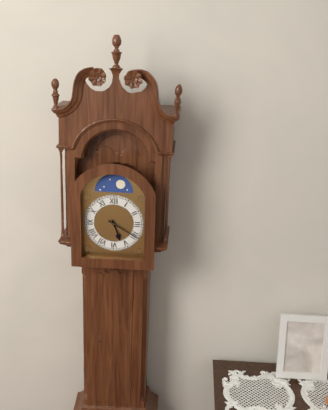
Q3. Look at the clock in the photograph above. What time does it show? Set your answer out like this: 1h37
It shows 5h20
